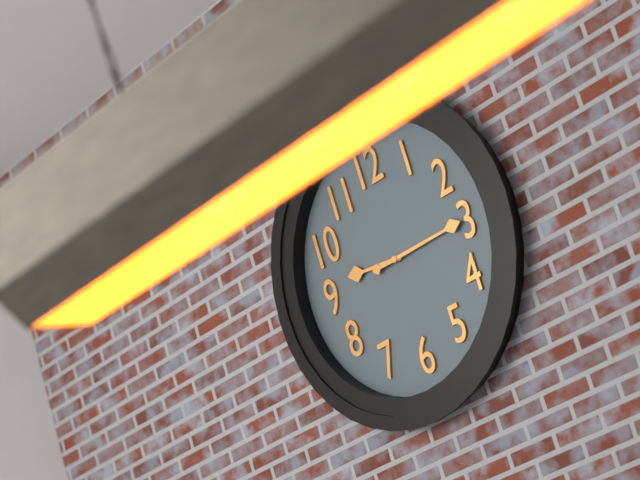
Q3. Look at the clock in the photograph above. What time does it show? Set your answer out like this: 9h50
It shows 9h15
